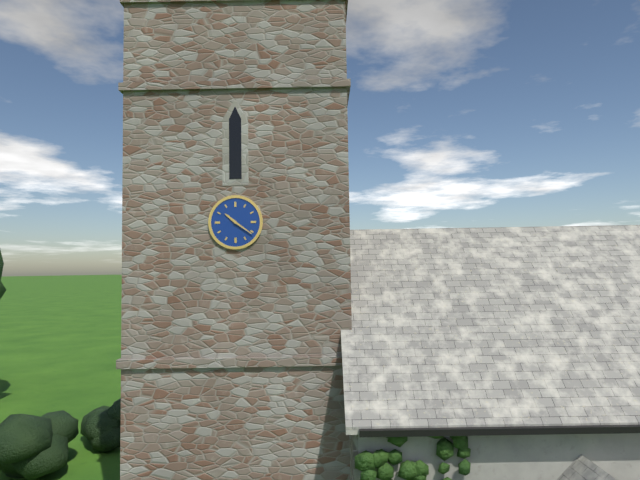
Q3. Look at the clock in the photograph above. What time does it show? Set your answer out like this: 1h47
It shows 10h21
